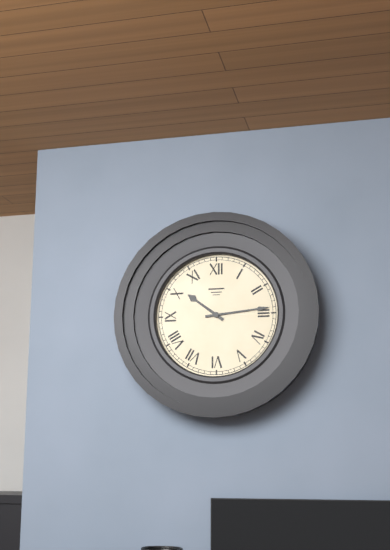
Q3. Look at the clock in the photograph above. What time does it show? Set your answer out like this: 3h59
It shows 10h14
